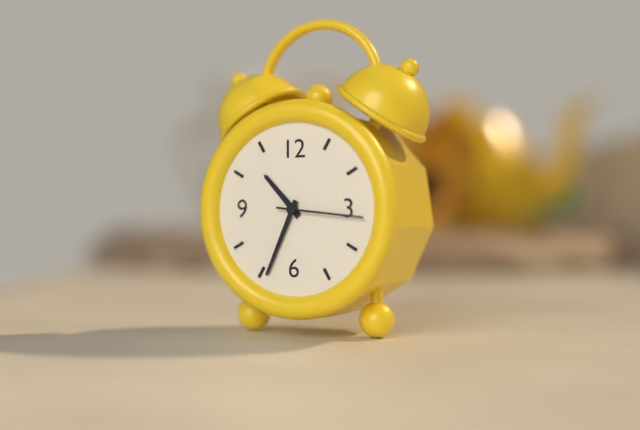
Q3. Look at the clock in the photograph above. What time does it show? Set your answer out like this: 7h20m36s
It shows 10h34m16s
